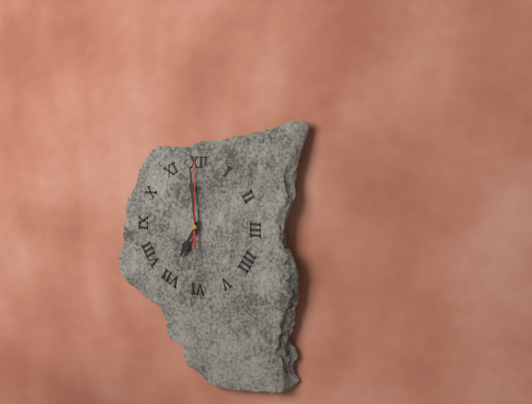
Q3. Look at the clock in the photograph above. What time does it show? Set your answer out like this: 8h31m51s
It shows 6h59m00s
